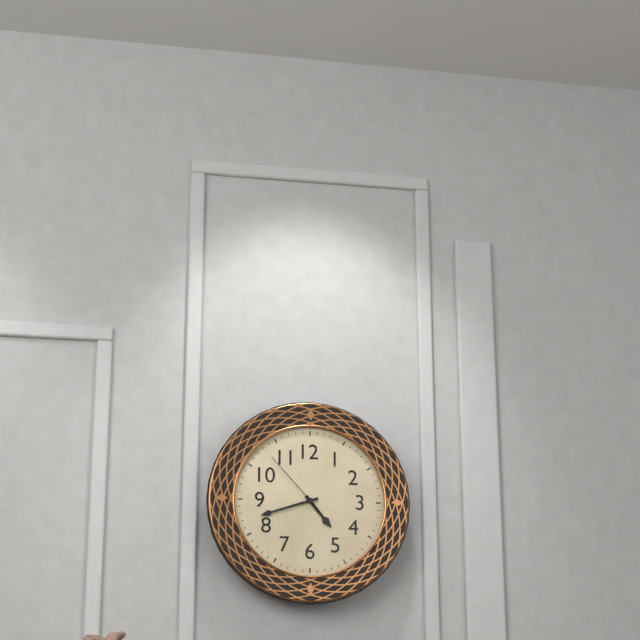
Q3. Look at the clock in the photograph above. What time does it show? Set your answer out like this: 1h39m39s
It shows 4h42m53s
